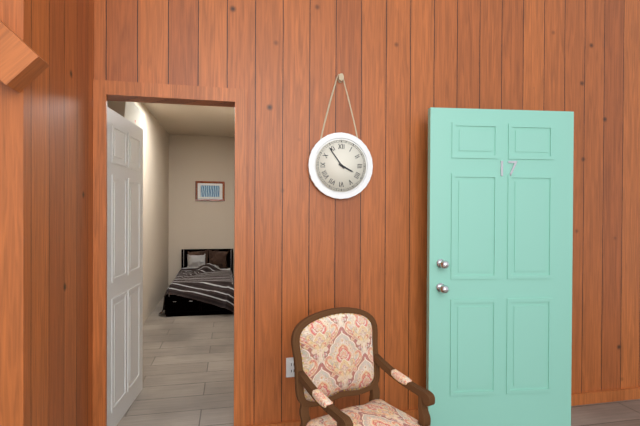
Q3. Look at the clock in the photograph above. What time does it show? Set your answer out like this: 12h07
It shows 3h54
